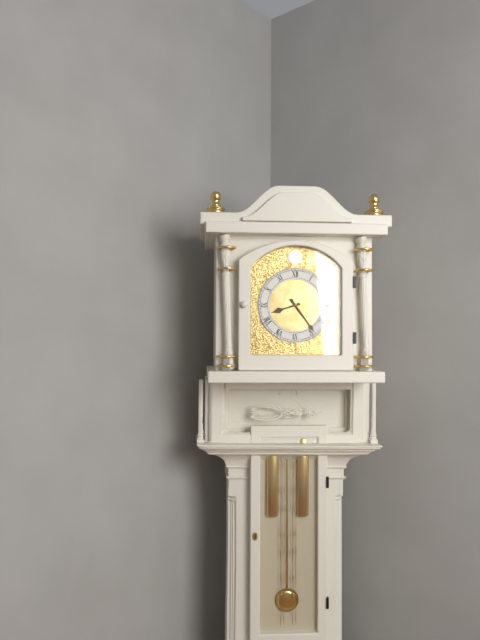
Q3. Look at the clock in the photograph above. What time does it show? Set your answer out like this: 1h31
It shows 8h24
